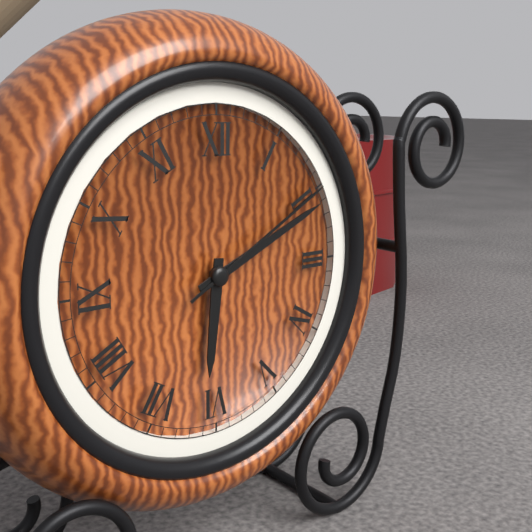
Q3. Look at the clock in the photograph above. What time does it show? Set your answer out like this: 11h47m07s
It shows 6h11m10s
